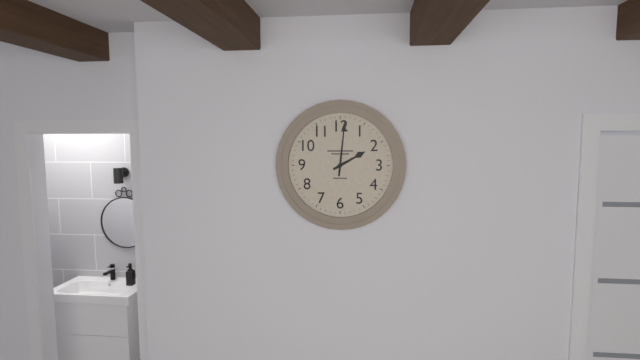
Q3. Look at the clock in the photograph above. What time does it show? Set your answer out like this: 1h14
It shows 2h01
